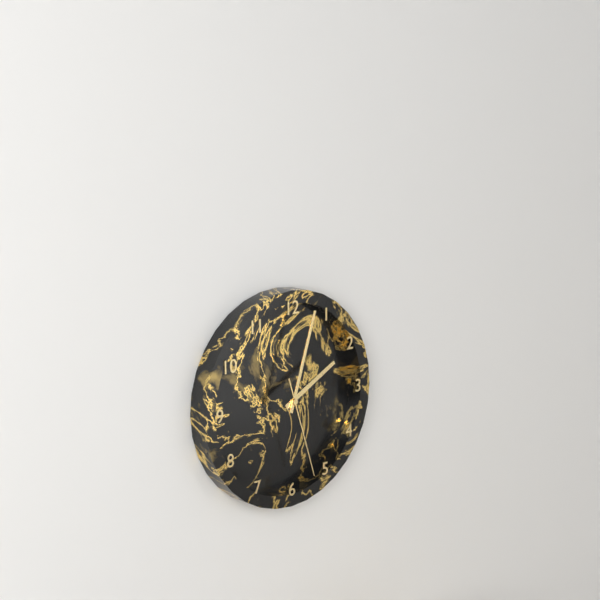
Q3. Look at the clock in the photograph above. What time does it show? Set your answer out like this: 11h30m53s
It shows 2h03m27s
